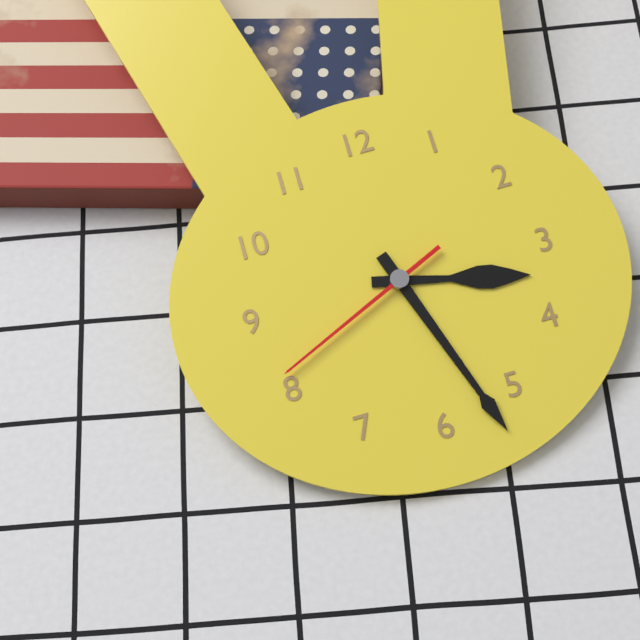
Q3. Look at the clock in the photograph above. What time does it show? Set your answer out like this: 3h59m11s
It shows 3h27m41s
